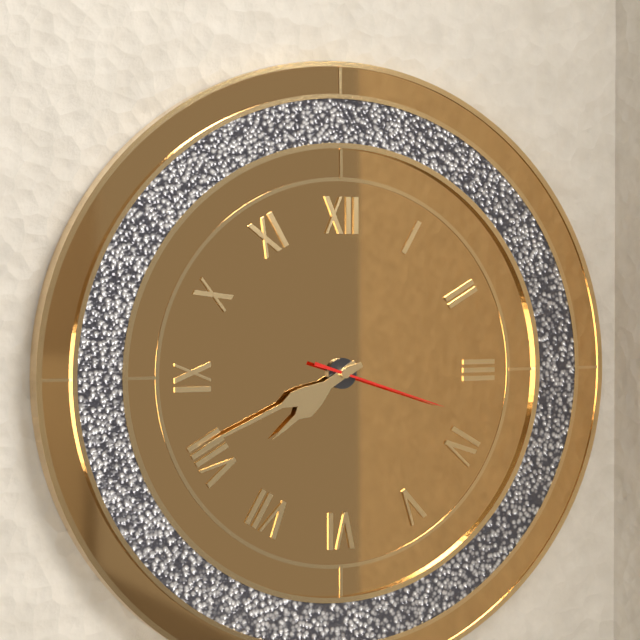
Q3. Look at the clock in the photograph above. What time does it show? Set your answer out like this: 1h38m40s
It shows 7h41m18s
